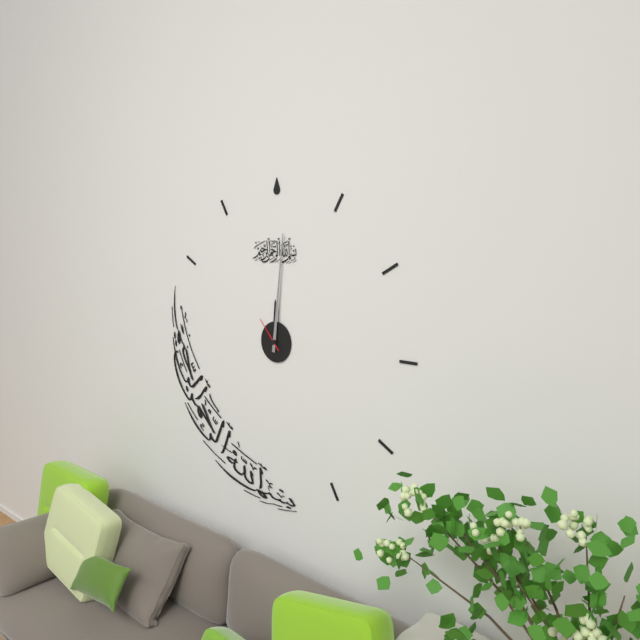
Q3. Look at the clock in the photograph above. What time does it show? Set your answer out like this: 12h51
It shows 12h01
